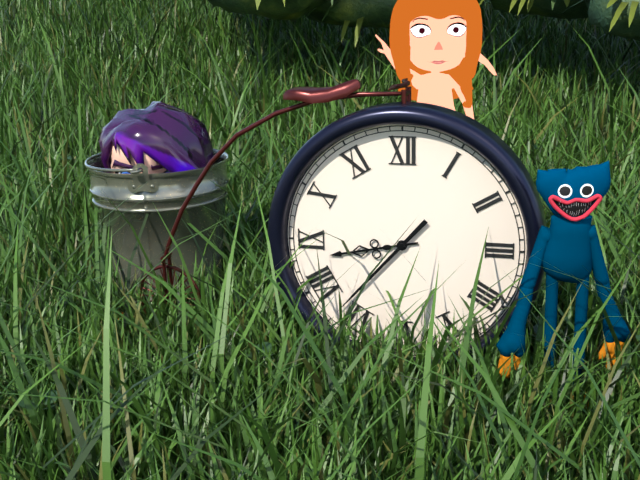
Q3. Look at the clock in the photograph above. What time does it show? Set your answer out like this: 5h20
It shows 8h37
